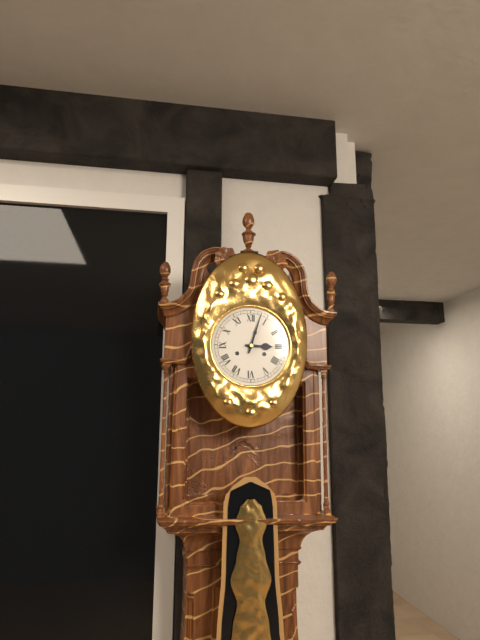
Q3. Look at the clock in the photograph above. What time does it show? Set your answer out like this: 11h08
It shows 3h03
